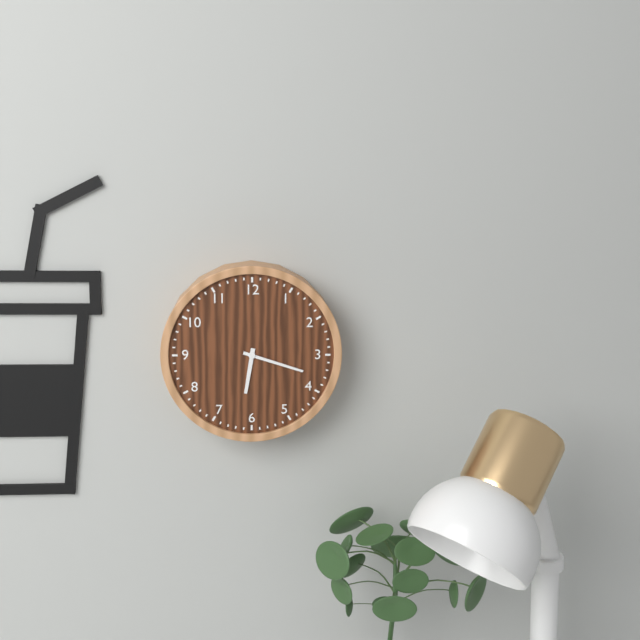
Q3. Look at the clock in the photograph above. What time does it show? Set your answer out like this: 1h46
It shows 6h18
